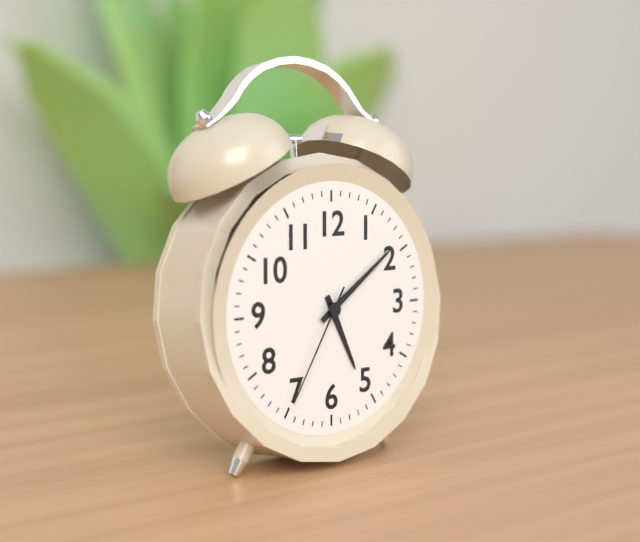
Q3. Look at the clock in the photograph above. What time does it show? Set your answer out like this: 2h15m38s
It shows 5h09m35s
